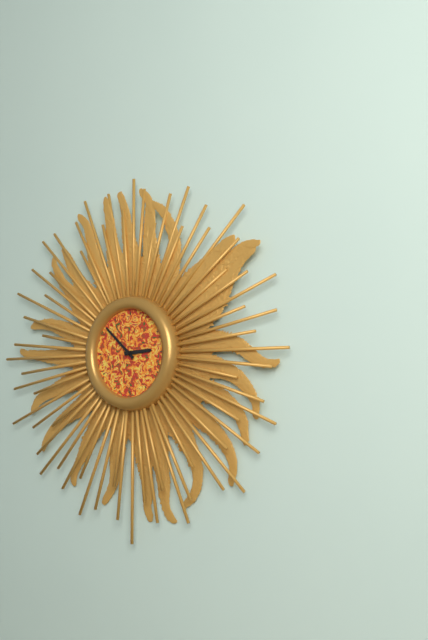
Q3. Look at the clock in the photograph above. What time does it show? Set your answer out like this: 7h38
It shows 2h52
